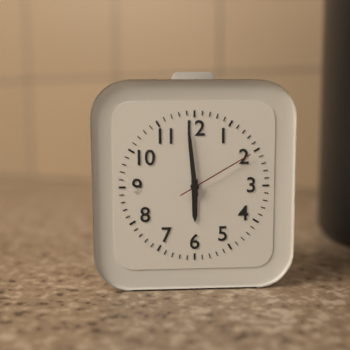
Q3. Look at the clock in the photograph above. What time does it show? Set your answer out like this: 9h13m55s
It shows 5h59m10s
